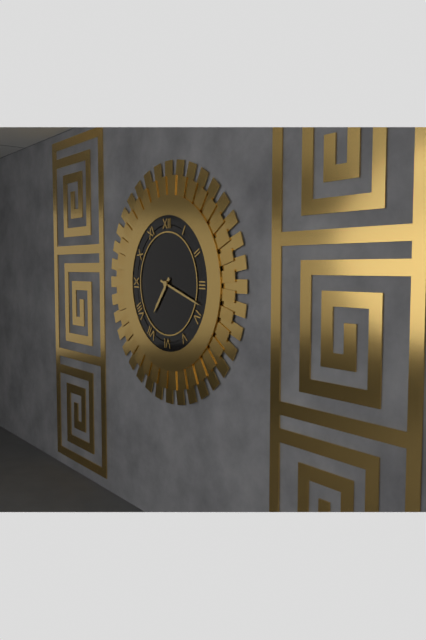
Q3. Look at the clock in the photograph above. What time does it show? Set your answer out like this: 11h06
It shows 7h18
